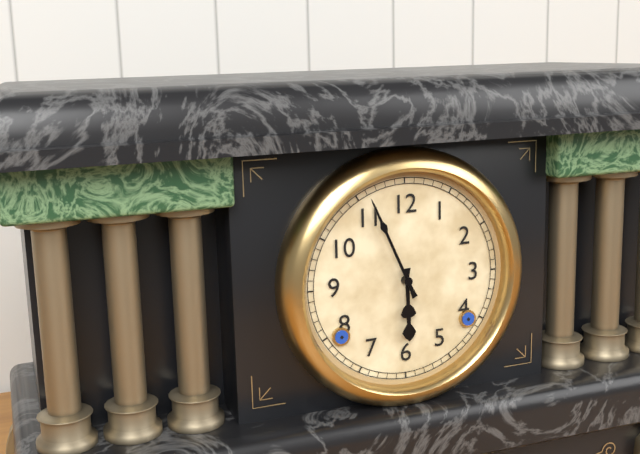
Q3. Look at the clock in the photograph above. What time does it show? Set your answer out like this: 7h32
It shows 5h56
